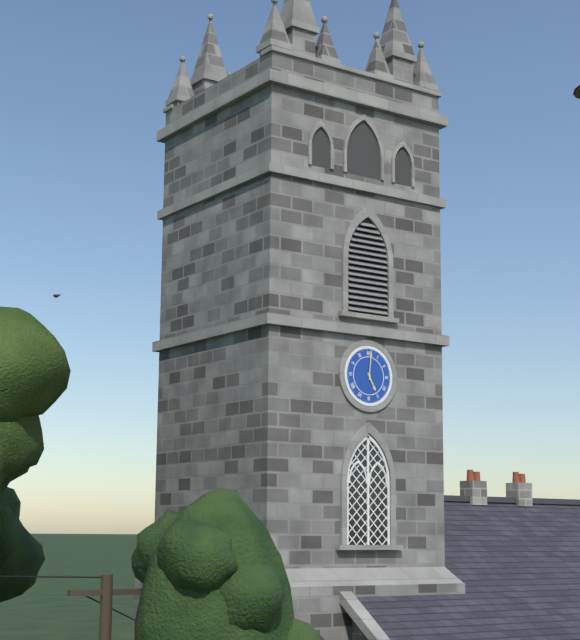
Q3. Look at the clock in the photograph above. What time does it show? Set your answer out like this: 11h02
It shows 5h01
